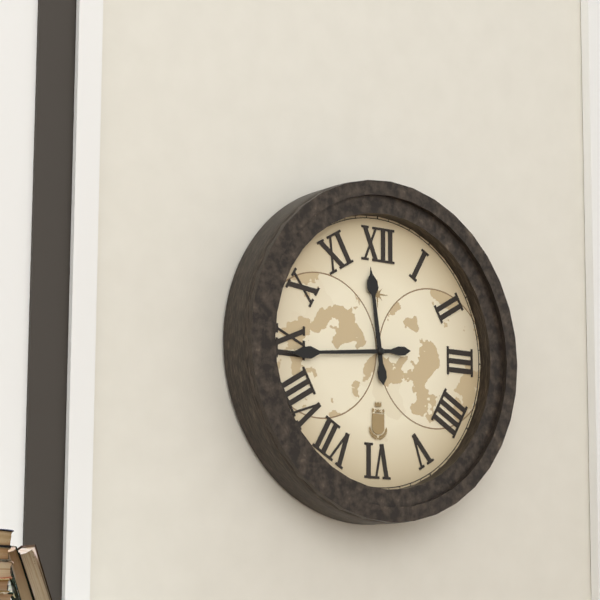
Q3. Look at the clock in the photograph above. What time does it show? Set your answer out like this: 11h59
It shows 11h44
